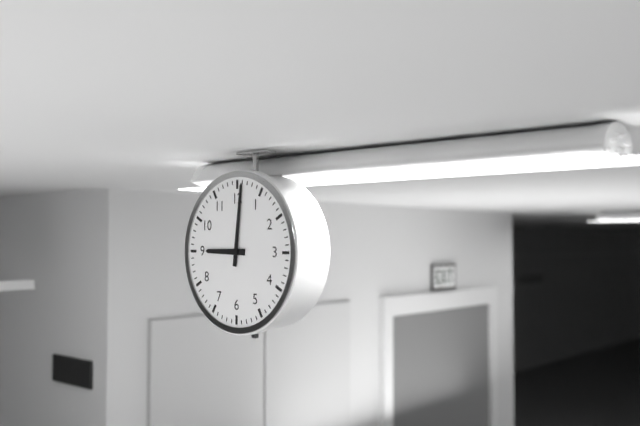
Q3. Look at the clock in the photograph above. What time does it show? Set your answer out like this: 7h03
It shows 9h01
